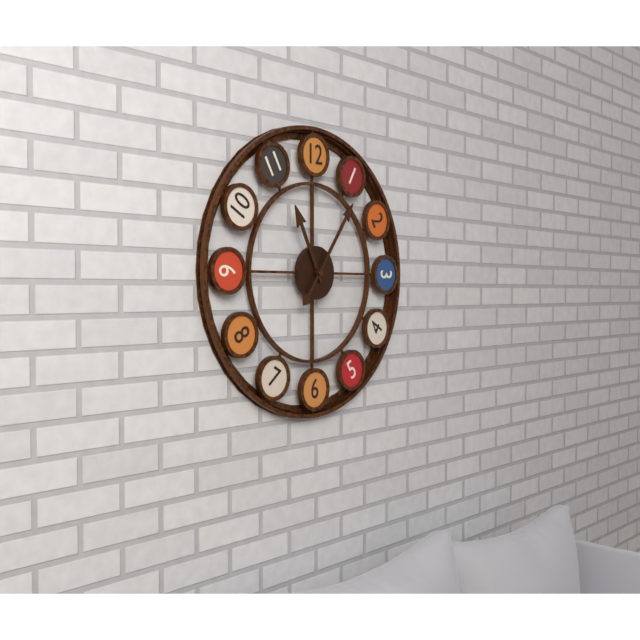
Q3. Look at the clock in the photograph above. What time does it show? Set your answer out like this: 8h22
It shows 11h06
